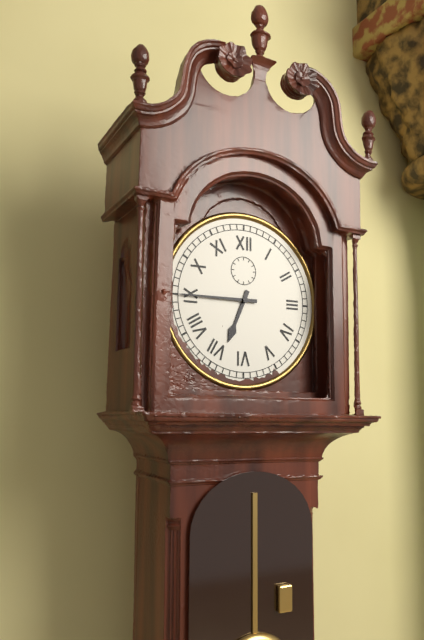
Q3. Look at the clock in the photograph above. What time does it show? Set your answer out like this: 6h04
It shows 6h45
